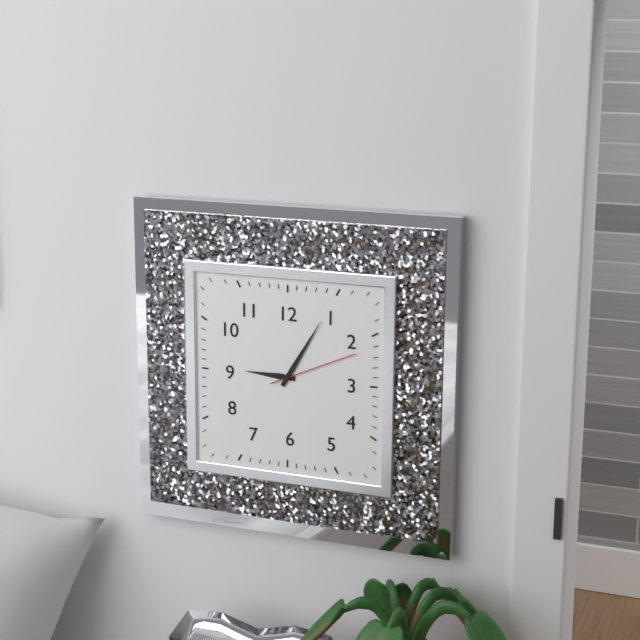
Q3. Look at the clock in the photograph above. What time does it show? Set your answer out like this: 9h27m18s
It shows 9h05m11s
